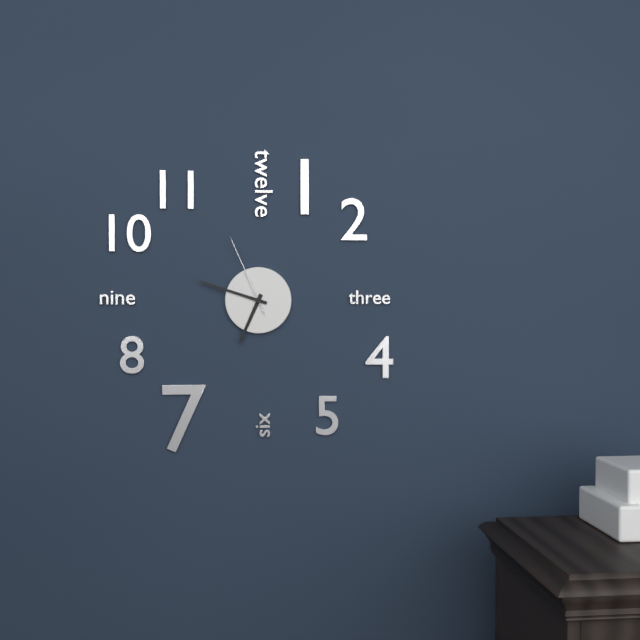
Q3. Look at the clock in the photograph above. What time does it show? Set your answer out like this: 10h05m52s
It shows 6h48m56s
